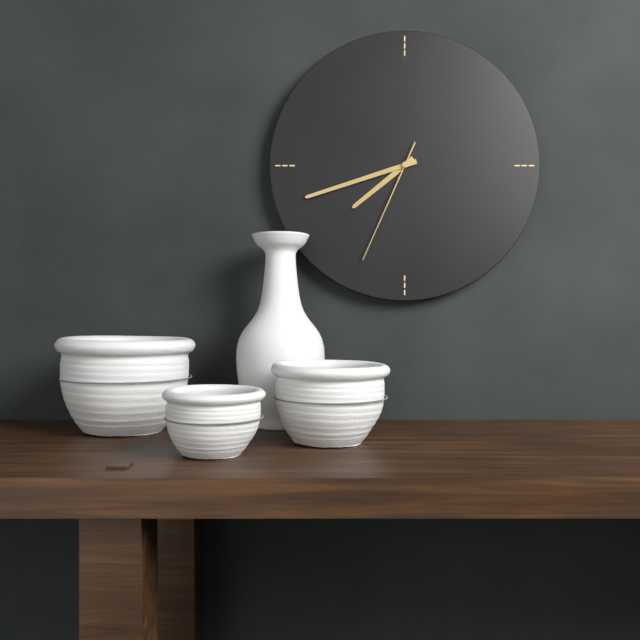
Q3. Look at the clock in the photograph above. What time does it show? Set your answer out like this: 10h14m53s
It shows 7h42m34s
